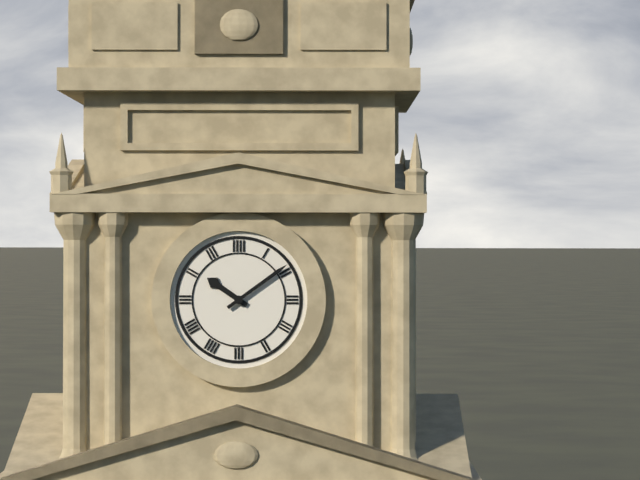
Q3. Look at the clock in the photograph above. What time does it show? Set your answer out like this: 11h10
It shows 10h09
